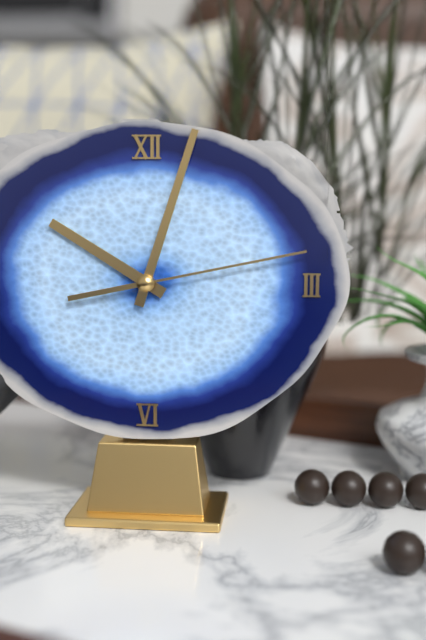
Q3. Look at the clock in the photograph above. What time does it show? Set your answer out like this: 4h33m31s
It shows 10h03m13s
